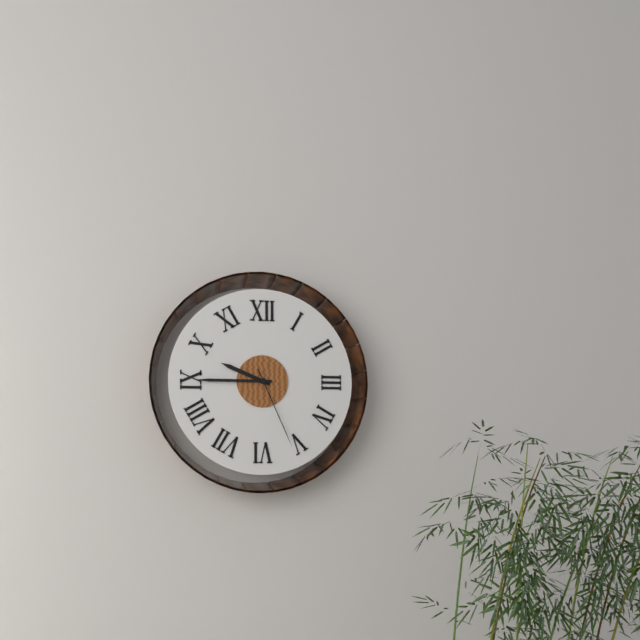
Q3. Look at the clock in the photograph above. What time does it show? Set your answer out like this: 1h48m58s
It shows 9h45m26s
